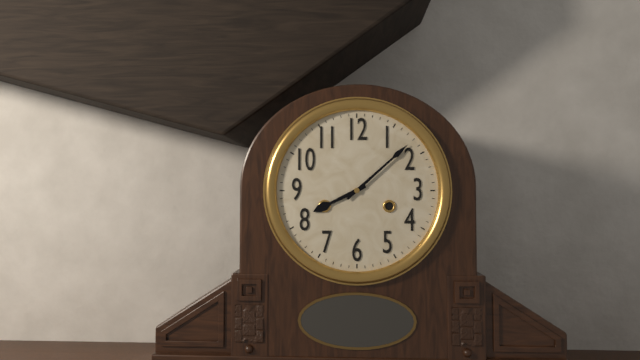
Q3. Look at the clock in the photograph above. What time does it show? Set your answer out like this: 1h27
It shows 8h08
